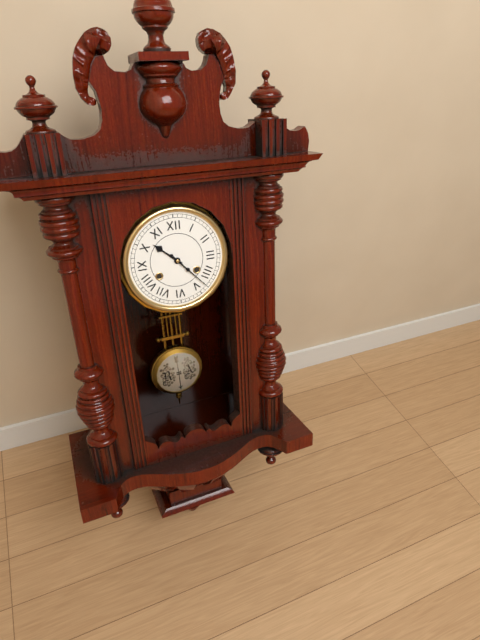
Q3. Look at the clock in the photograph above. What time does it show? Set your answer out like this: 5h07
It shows 10h23
